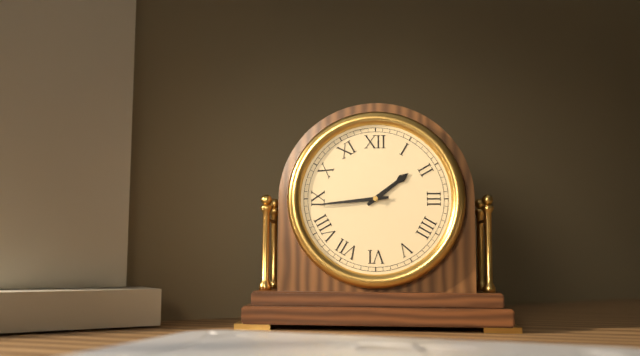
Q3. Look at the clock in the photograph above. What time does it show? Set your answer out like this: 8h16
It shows 1h44
